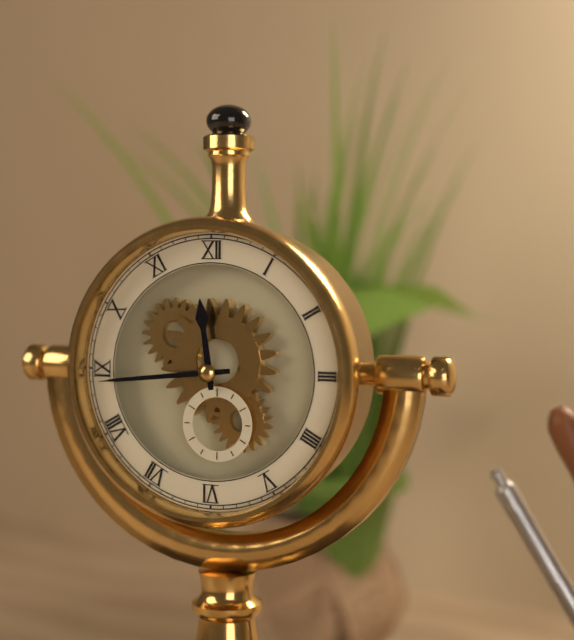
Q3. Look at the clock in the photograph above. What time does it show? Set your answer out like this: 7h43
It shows 11h44
